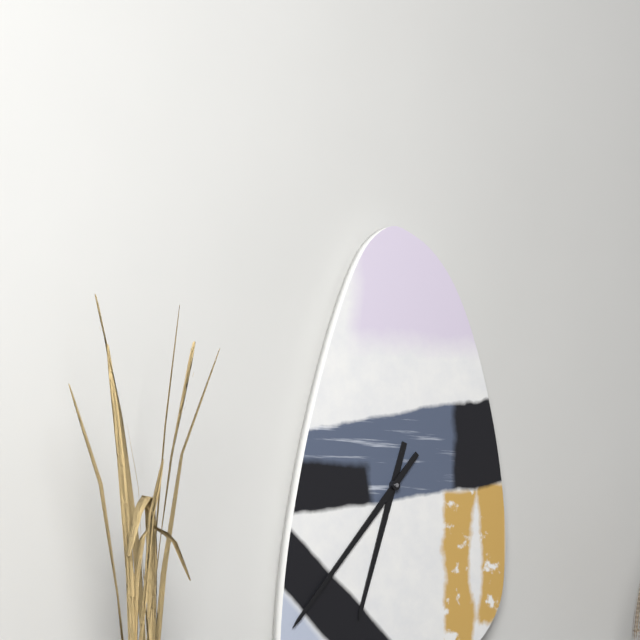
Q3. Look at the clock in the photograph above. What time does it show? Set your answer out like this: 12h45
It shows 6h37
